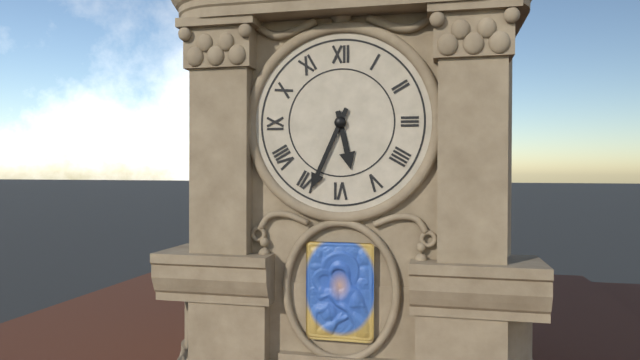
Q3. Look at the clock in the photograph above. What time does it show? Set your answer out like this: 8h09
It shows 5h34
